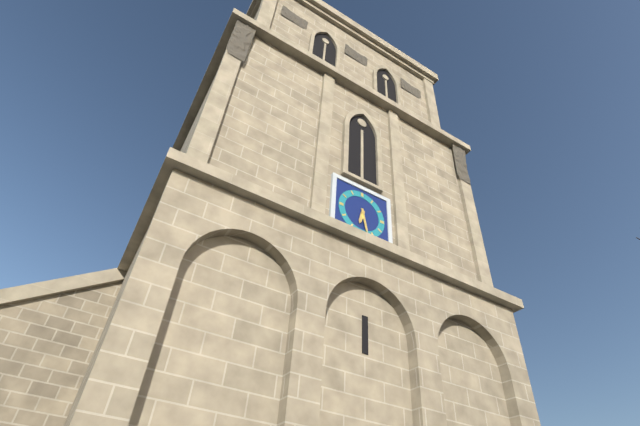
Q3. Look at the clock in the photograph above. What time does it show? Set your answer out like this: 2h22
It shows 6h28
